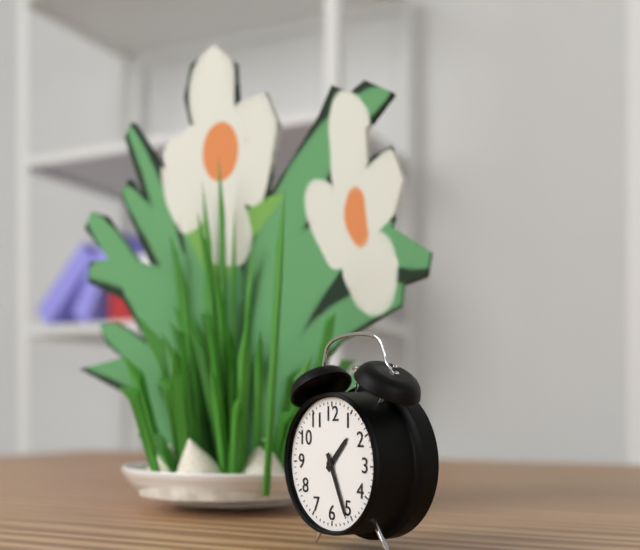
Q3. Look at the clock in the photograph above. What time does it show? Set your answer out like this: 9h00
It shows 1h26
